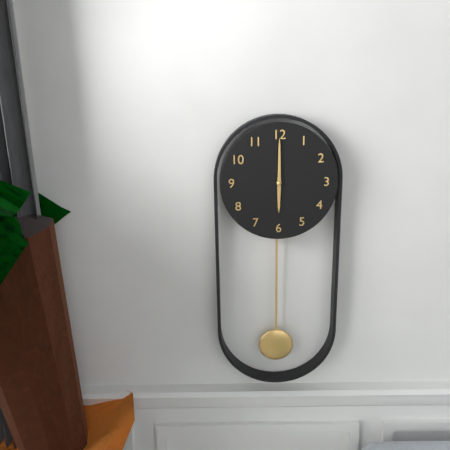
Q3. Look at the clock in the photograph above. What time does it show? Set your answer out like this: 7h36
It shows 6h00
